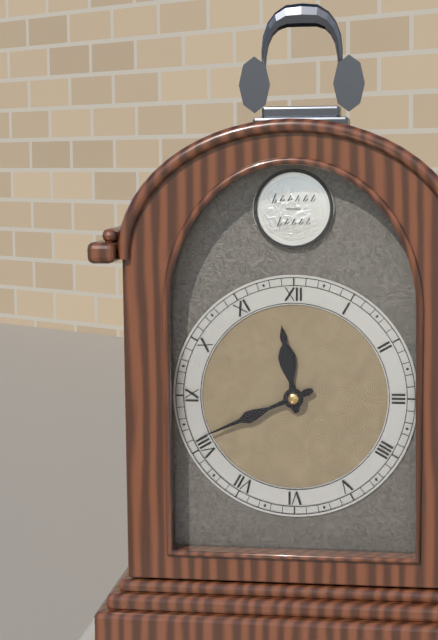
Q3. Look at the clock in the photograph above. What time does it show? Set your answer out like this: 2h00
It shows 11h41
